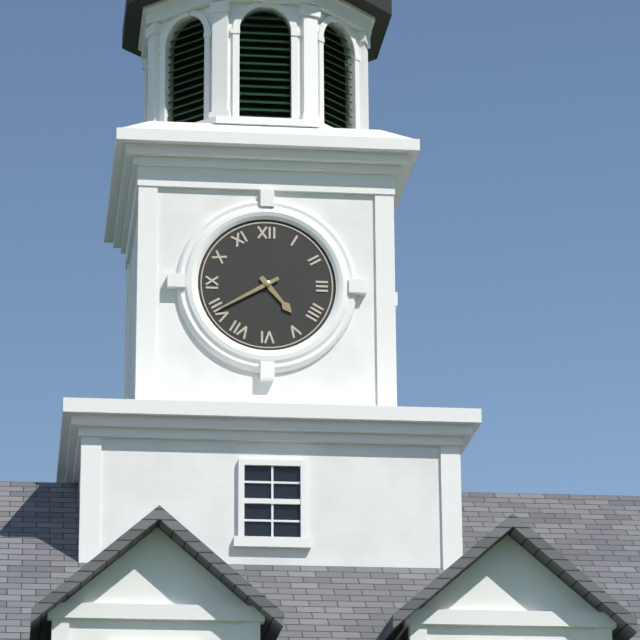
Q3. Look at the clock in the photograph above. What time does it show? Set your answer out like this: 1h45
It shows 4h40
